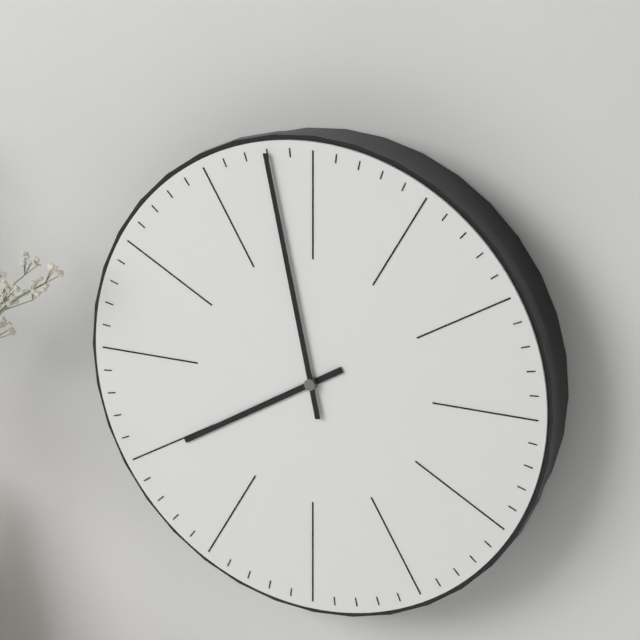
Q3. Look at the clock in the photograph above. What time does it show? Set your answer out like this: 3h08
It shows 7h58
